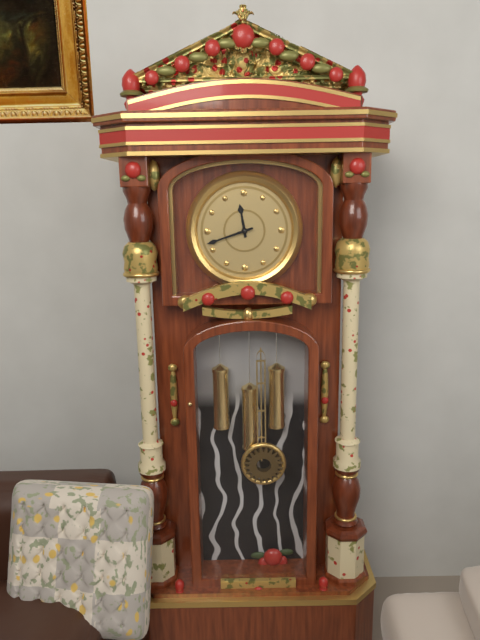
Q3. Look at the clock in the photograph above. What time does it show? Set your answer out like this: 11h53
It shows 11h42
